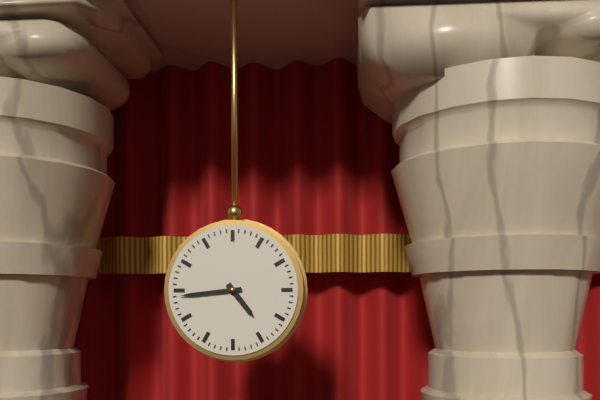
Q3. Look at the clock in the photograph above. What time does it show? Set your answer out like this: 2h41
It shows 4h44
